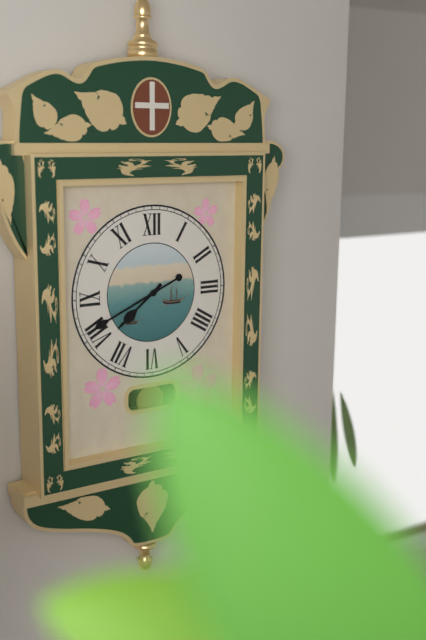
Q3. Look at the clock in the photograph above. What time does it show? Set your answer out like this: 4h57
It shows 7h41
